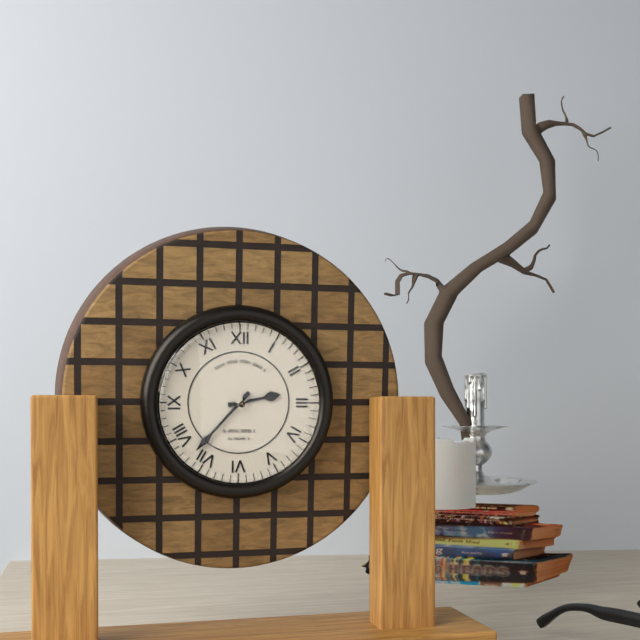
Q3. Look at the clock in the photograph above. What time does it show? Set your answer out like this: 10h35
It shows 2h37
